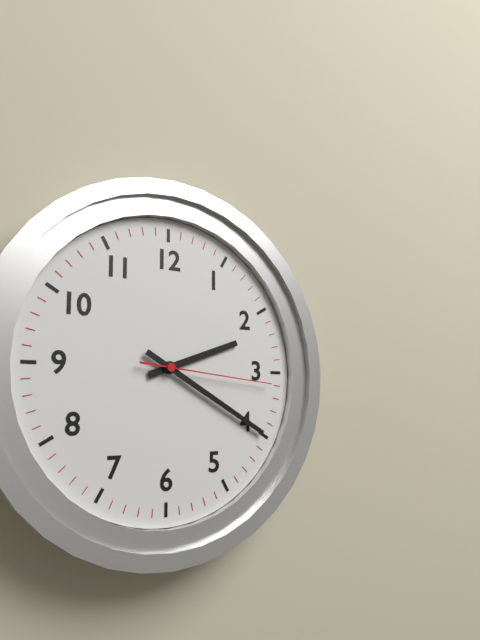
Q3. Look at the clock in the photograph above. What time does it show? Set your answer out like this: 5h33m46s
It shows 2h20m16s
